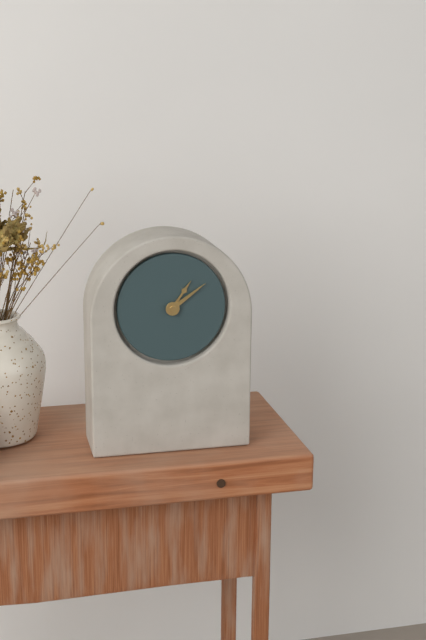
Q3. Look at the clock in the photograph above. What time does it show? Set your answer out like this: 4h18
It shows 1h09
